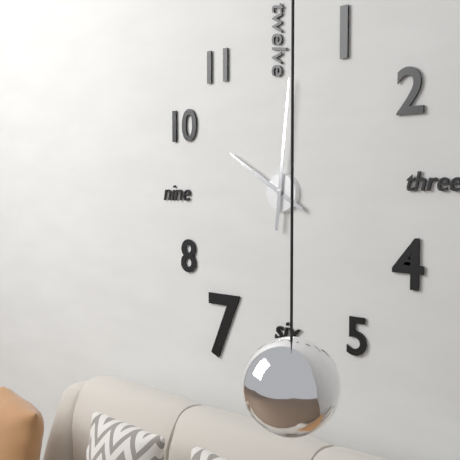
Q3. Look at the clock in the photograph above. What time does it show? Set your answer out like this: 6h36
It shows 10h01
